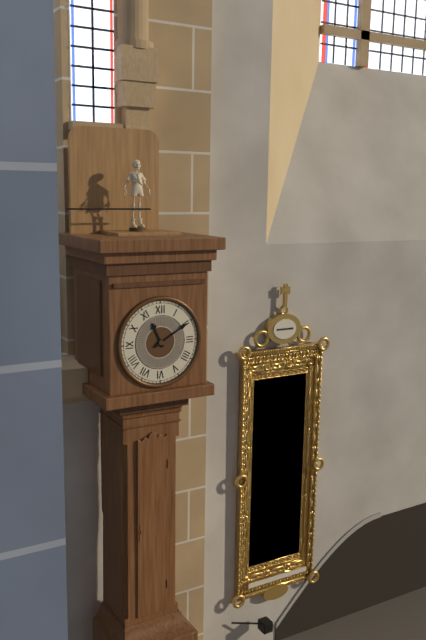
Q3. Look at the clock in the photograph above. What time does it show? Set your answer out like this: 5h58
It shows 11h10
